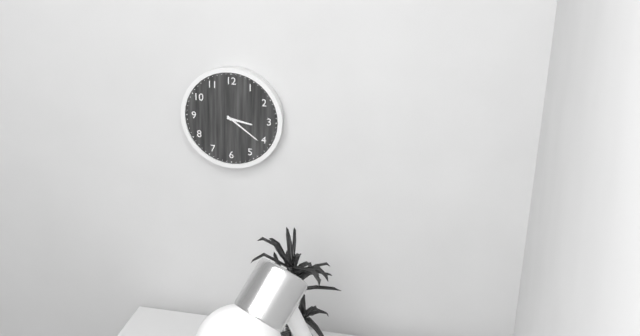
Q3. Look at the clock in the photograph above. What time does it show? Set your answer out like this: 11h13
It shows 3h21
